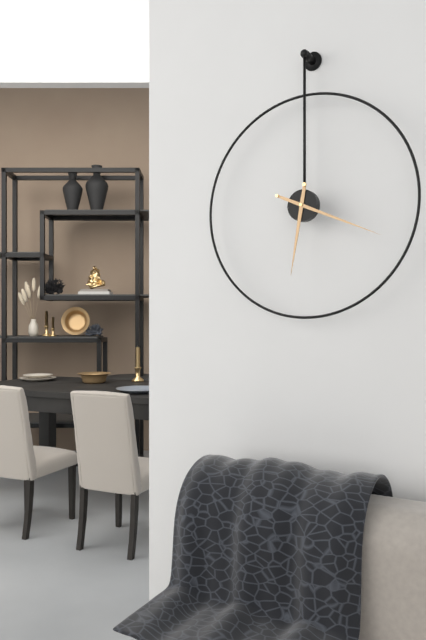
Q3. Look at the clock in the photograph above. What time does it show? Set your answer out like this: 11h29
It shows 6h19
